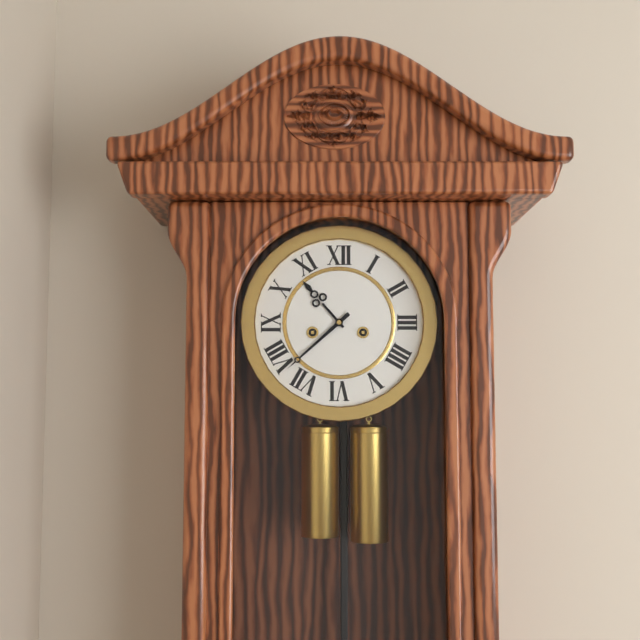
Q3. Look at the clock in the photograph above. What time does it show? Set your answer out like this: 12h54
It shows 10h38
